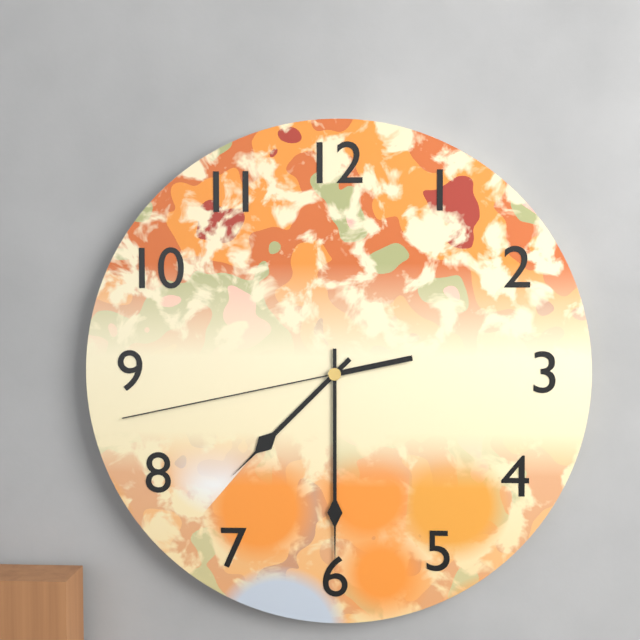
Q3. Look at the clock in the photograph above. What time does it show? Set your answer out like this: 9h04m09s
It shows 7h30m43s
